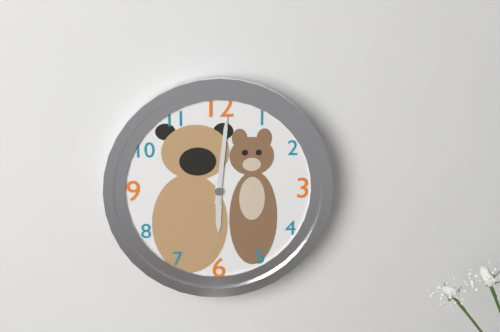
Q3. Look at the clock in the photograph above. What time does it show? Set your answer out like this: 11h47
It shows 6h01
